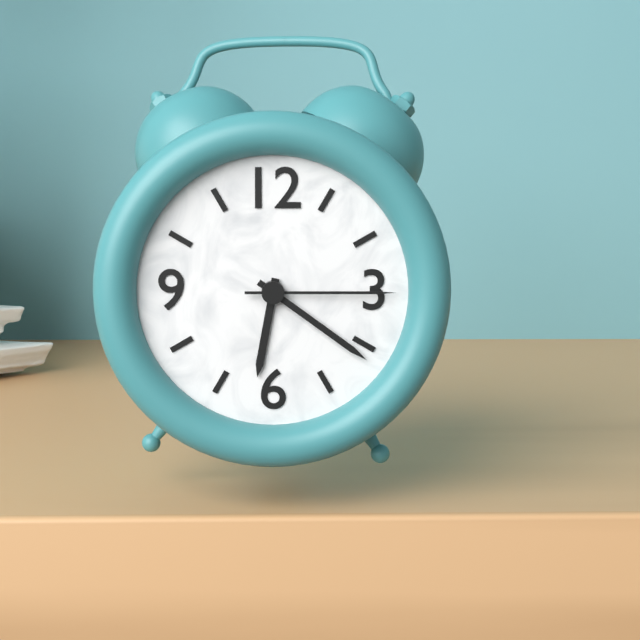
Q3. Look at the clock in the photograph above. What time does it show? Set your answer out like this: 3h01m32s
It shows 6h21m15s
